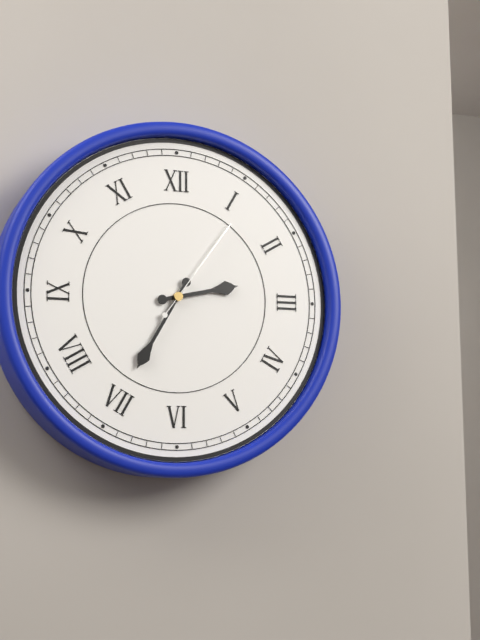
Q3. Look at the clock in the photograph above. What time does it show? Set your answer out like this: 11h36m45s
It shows 2h35m06s
